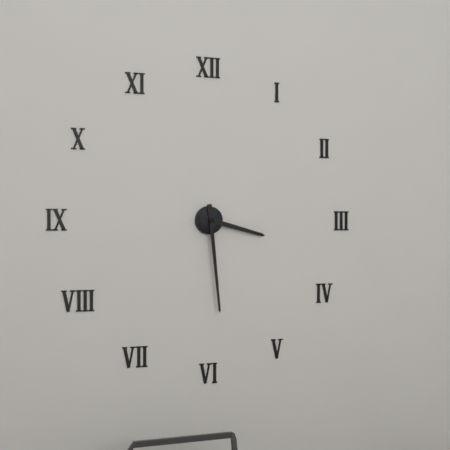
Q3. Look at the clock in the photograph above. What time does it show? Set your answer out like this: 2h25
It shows 3h29
